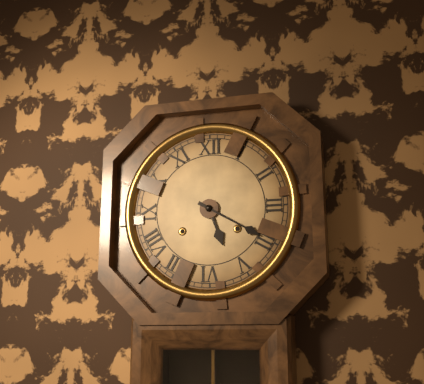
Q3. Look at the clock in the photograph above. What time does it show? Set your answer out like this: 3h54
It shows 5h20
